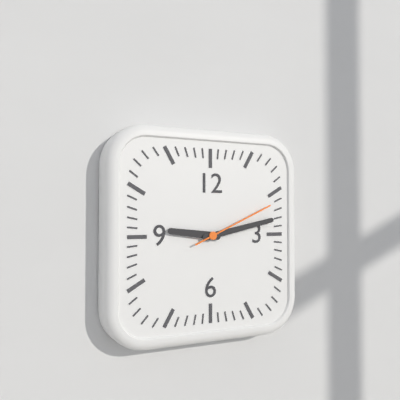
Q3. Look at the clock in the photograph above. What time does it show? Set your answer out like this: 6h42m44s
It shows 9h13m11s
